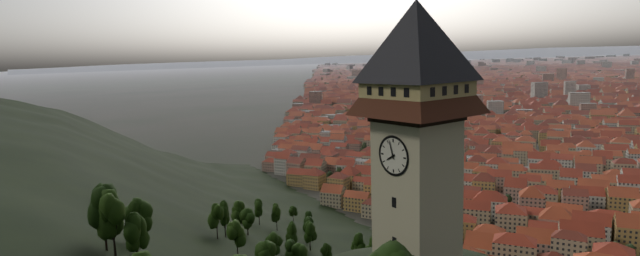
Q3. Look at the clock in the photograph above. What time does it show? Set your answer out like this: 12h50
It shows 7h57
